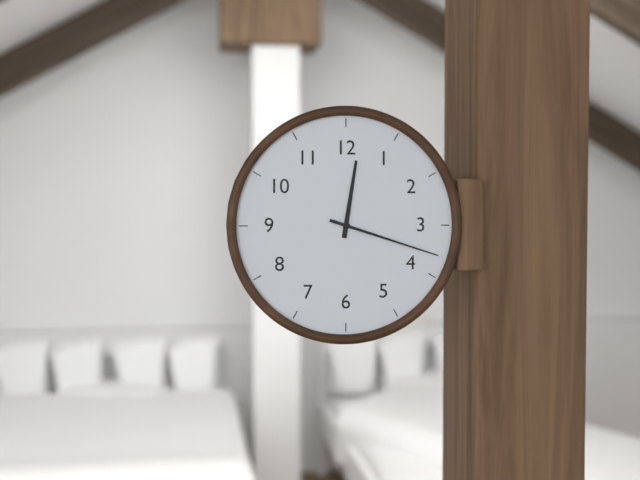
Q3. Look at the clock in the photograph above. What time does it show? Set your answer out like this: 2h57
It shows 12h18
